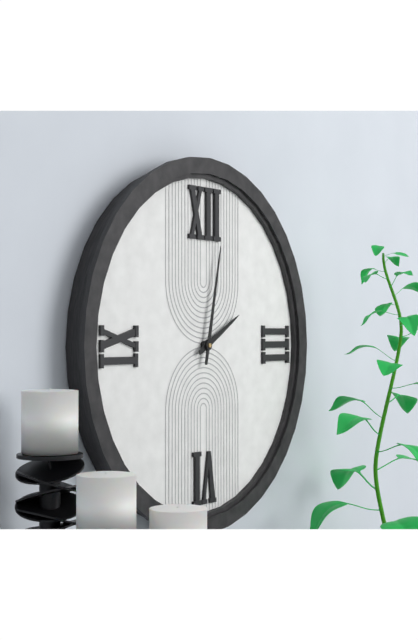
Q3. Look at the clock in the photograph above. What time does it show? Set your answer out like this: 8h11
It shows 2h02
